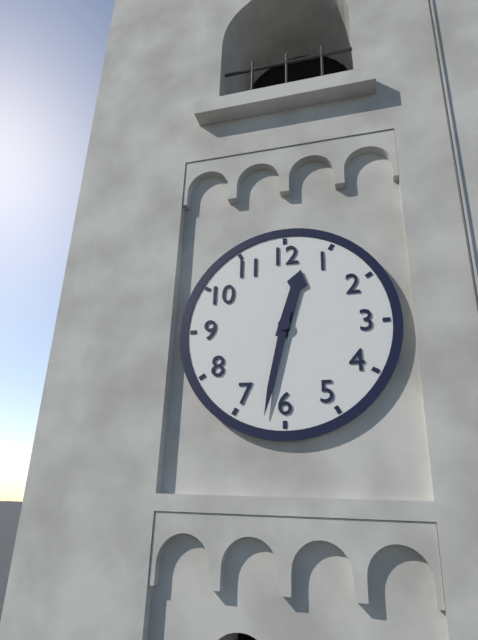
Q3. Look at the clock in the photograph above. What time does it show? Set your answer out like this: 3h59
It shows 12h32
